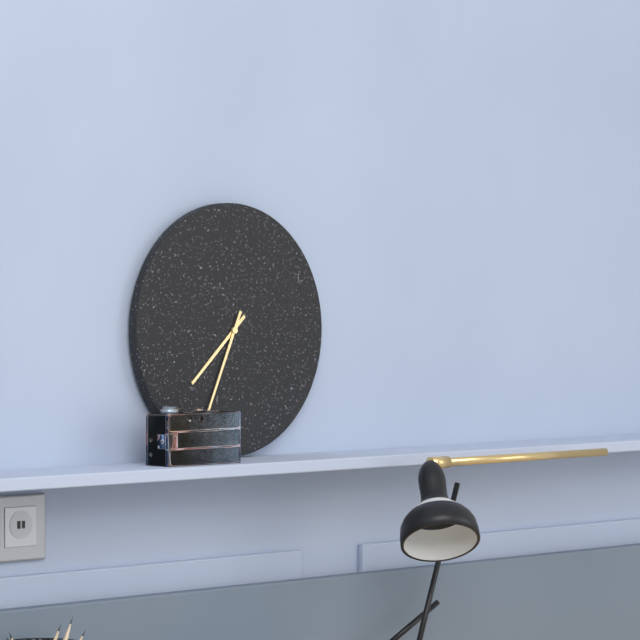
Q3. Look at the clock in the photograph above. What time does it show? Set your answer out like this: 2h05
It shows 7h34
